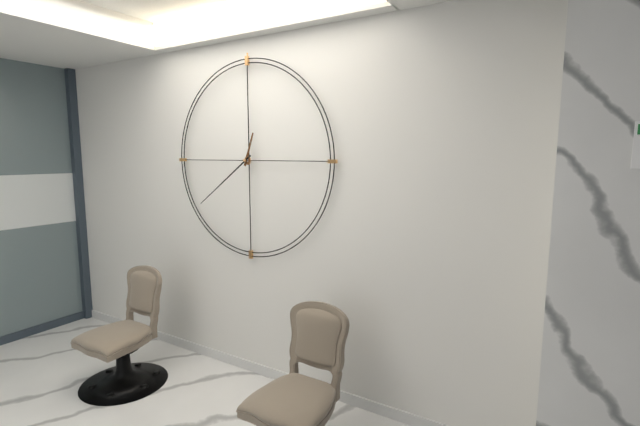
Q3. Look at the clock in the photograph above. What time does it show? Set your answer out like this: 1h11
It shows 12h39
